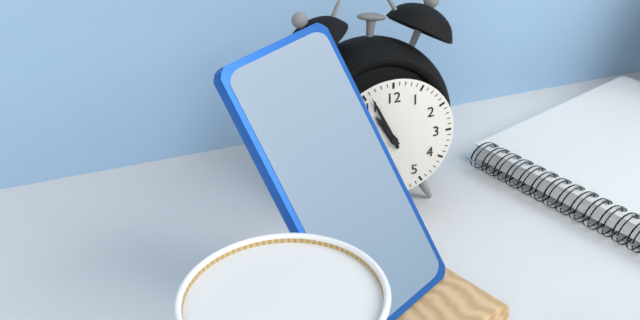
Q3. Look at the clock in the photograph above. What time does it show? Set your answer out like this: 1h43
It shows 10h56
